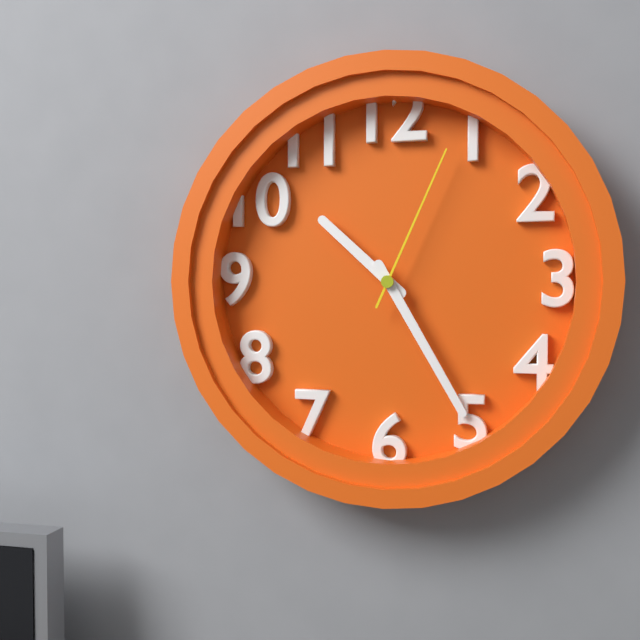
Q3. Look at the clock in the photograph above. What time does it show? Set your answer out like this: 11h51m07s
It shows 10h25m04s
